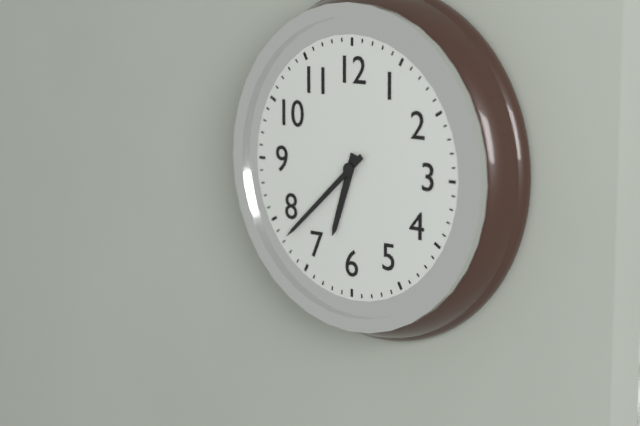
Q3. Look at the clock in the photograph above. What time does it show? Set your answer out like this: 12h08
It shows 6h38
